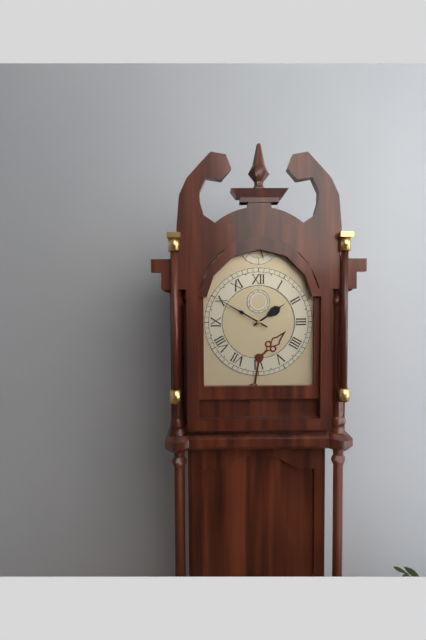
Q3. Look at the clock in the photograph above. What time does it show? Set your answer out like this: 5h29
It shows 1h50
